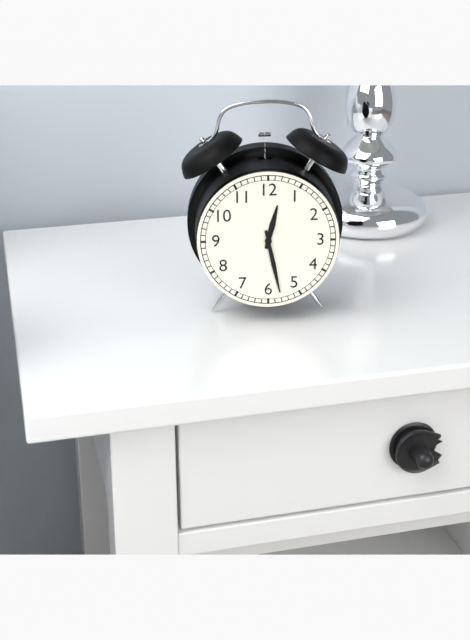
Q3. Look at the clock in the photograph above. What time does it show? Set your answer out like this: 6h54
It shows 12h28
